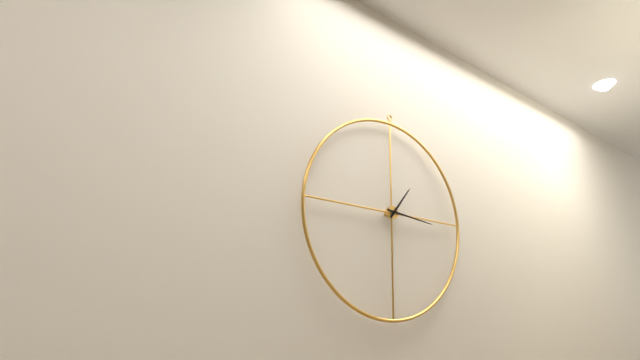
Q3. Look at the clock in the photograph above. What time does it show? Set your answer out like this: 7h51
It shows 1h16
